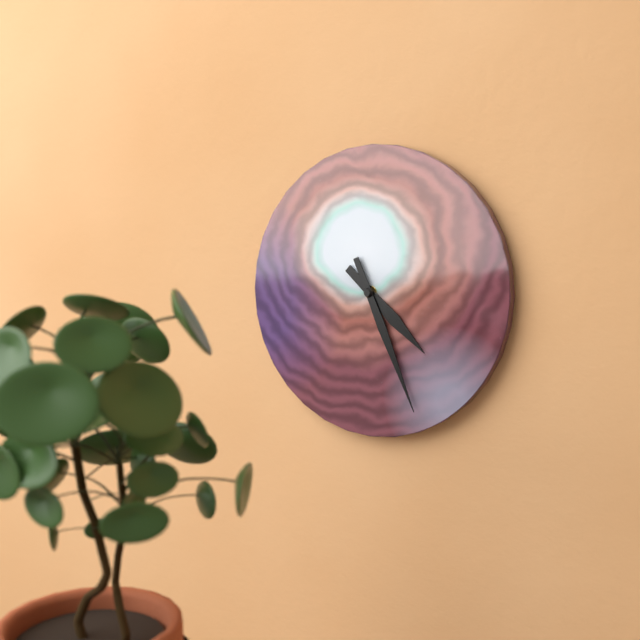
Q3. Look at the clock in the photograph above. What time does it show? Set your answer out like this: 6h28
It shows 4h26
